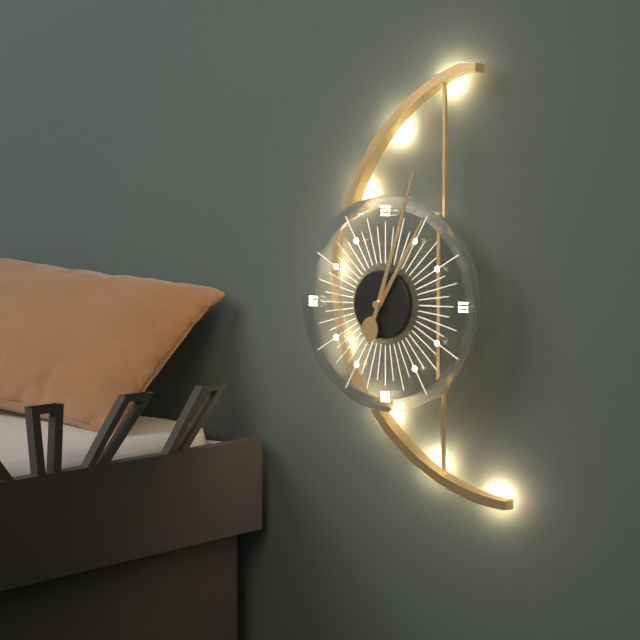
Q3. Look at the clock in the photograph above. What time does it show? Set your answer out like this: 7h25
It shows 1h03
